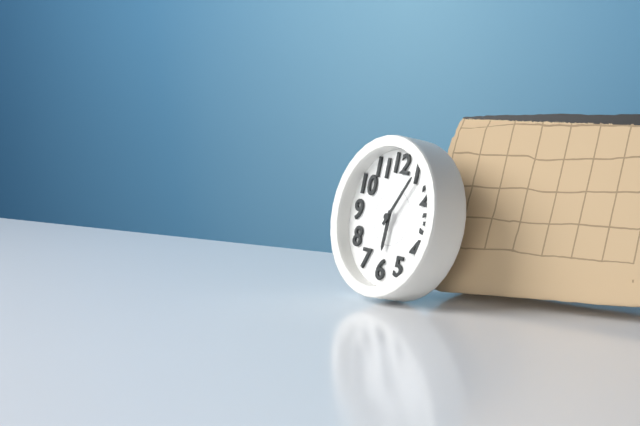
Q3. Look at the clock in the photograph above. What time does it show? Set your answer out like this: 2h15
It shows 6h05
